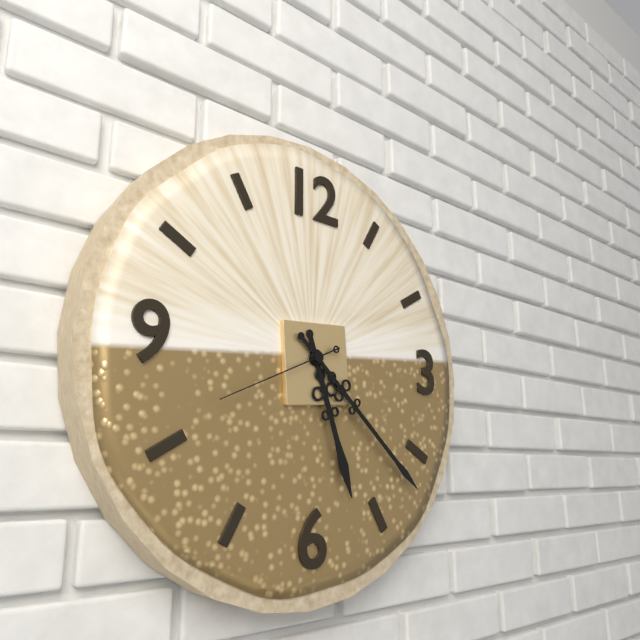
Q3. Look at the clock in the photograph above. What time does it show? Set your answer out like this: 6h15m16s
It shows 5h22m41s
